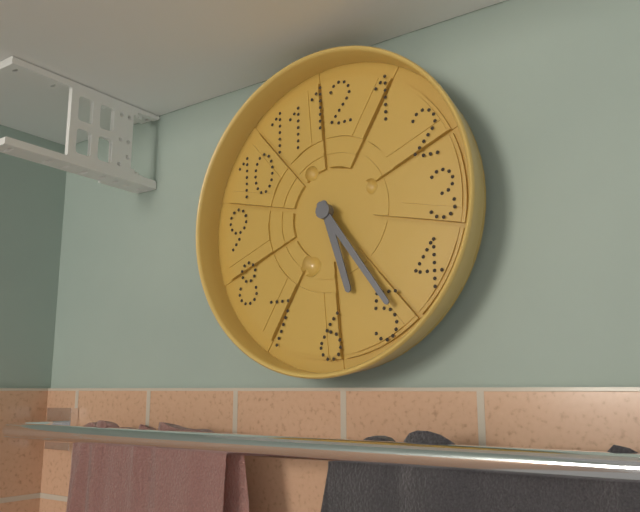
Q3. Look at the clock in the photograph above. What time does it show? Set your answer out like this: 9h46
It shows 5h24
